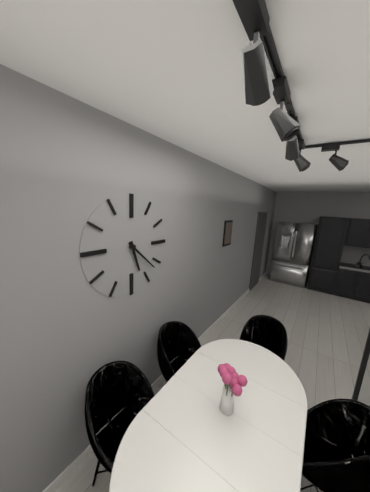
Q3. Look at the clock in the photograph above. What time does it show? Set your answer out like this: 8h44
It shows 5h22
